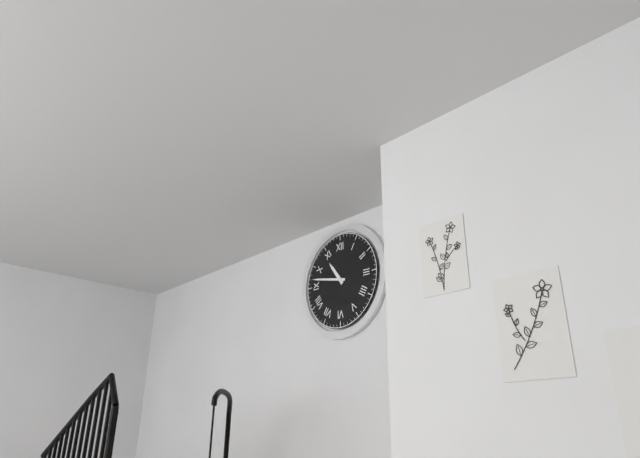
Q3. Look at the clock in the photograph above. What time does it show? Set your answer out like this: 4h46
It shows 10h47
